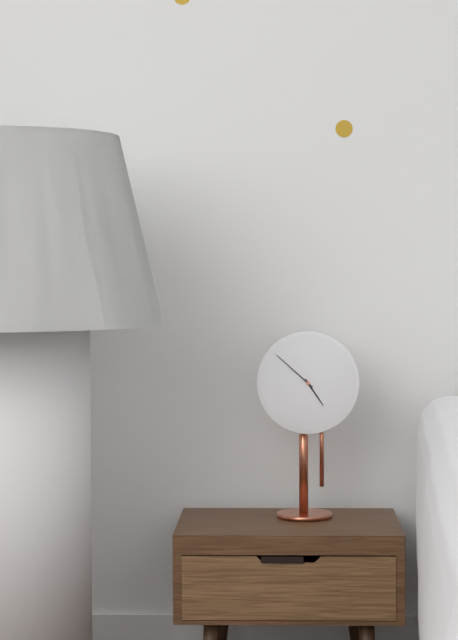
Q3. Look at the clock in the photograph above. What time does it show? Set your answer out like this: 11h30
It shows 4h52
